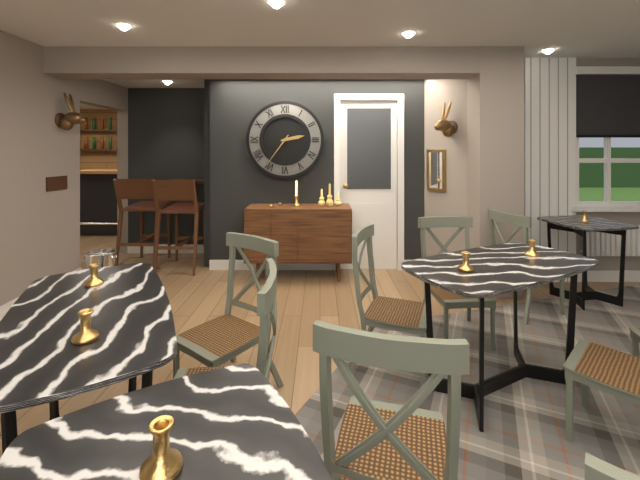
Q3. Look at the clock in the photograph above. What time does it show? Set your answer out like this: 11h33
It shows 2h36
